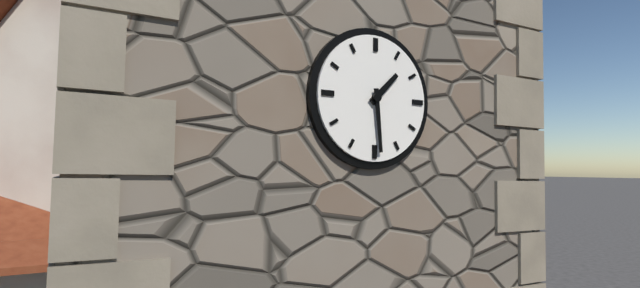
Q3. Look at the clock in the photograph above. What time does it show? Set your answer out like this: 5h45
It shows 1h29
